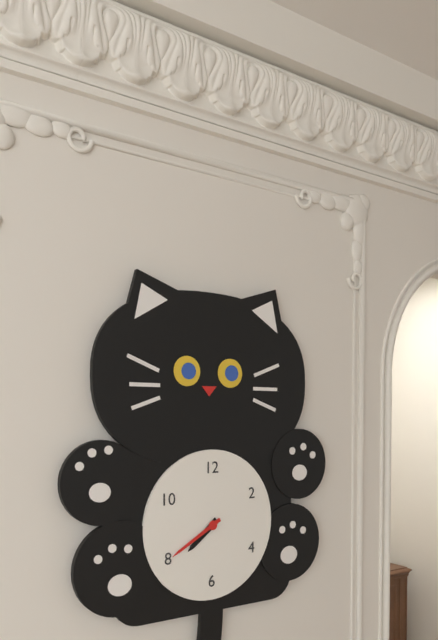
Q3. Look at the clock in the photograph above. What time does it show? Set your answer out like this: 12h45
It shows 7h40
